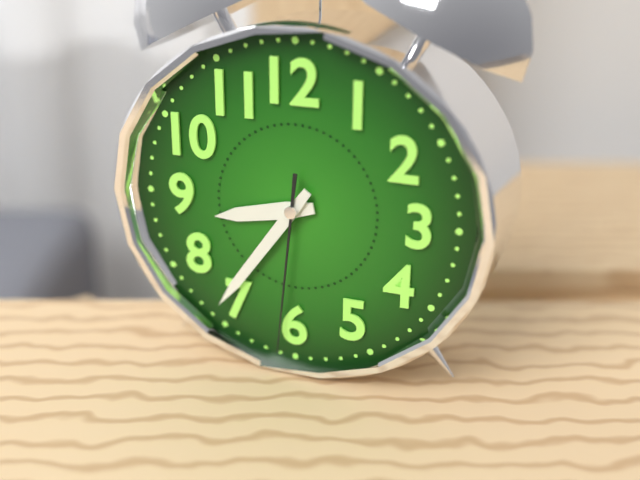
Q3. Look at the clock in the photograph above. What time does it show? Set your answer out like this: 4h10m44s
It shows 8h36m31s
